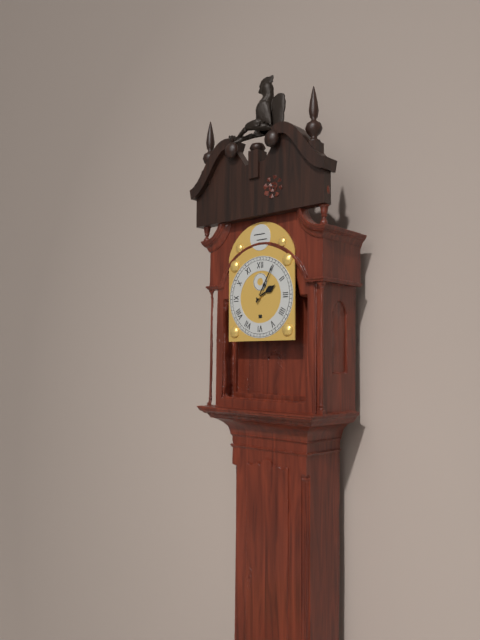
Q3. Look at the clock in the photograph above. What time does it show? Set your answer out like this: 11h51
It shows 2h05
